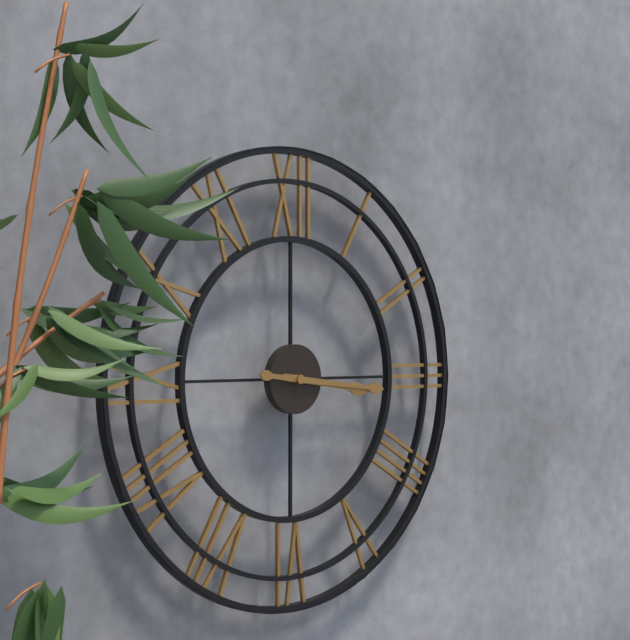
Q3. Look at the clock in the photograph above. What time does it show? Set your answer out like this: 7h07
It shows 3h16
